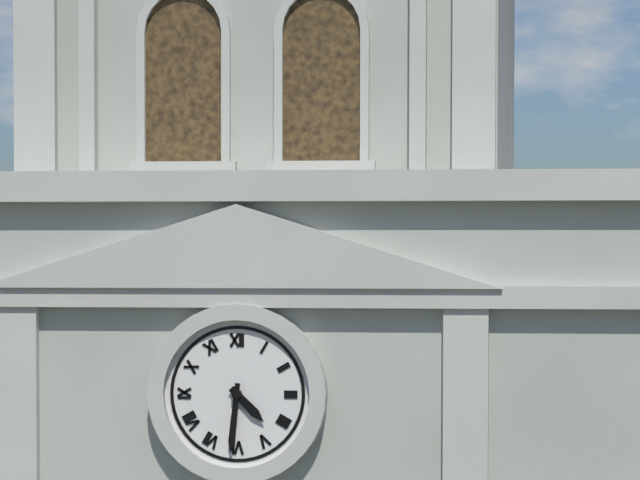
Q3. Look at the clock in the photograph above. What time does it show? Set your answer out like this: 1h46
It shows 4h31
